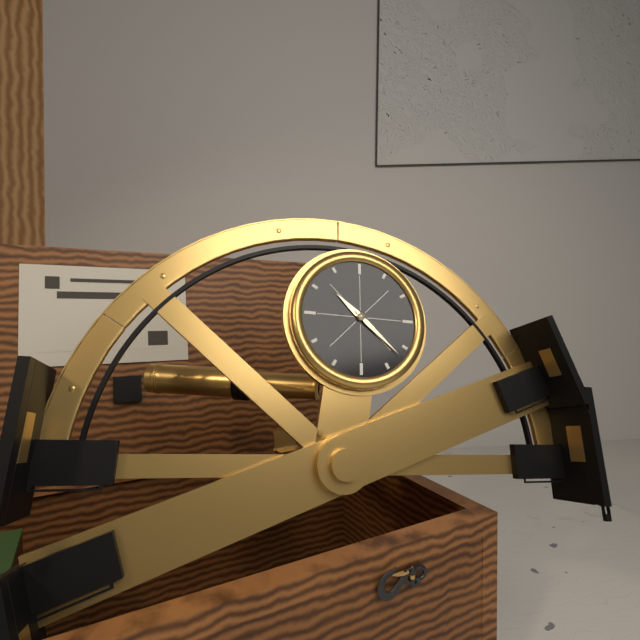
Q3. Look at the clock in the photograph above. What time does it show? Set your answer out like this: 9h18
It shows 10h22
